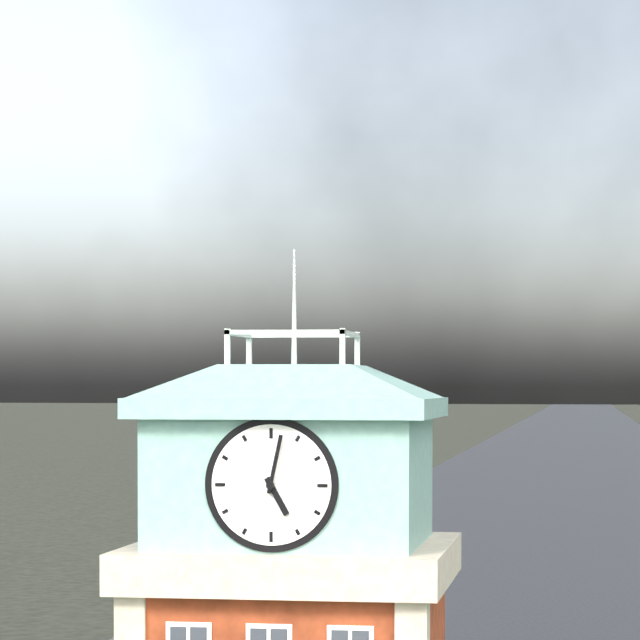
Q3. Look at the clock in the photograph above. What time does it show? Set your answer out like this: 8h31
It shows 5h02
